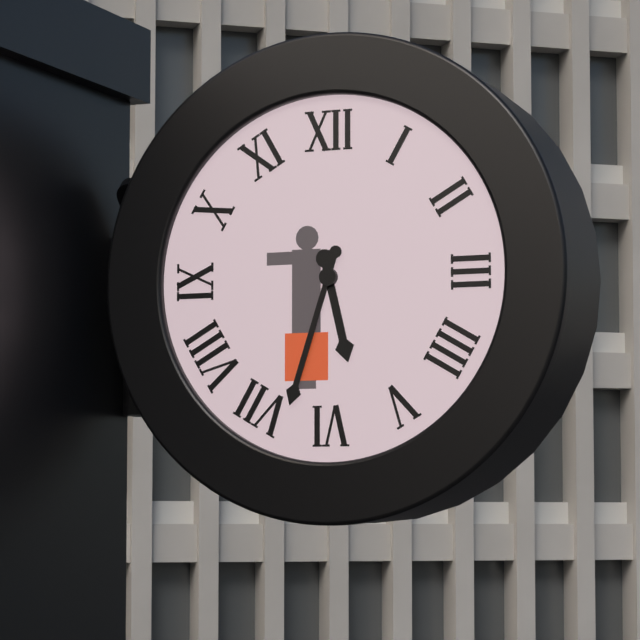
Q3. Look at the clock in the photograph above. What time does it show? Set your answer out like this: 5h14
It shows 5h33
